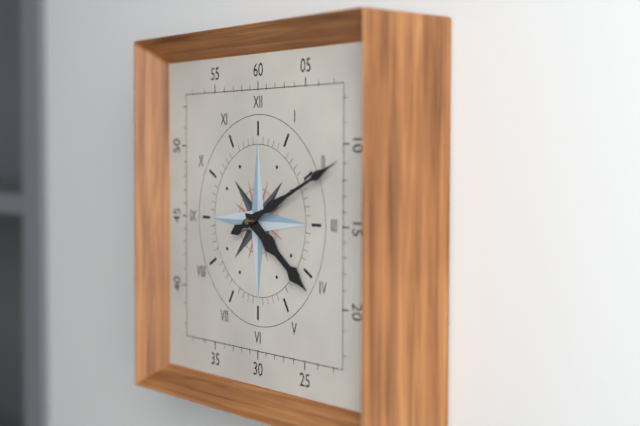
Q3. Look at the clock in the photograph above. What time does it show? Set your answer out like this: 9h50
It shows 4h11
